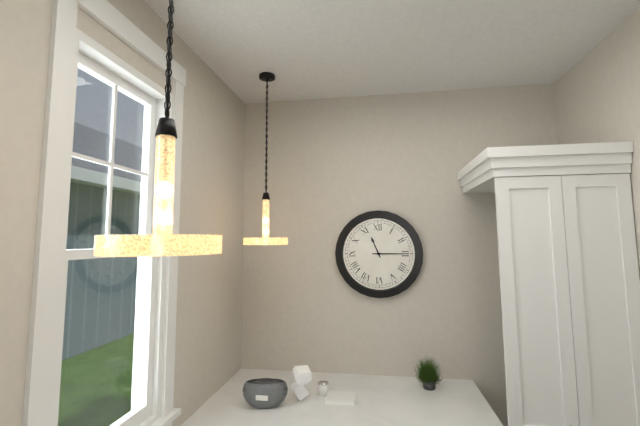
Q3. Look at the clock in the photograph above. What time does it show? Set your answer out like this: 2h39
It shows 11h15
